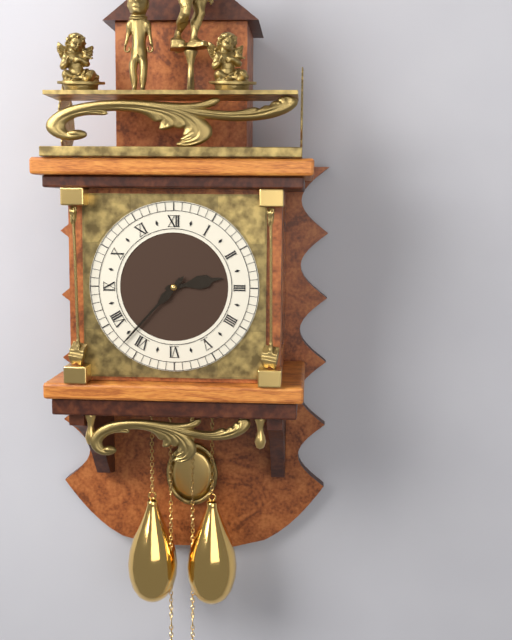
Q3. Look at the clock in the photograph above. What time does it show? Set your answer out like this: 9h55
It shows 2h37
